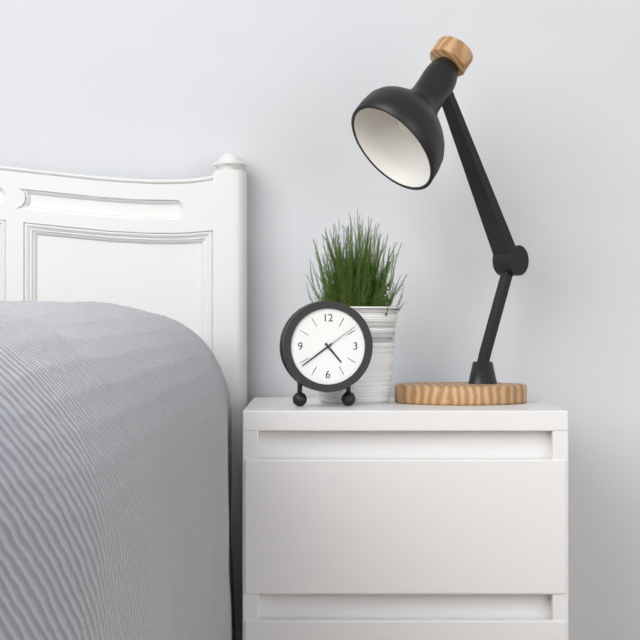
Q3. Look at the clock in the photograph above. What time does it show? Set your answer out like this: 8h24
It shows 4h39
